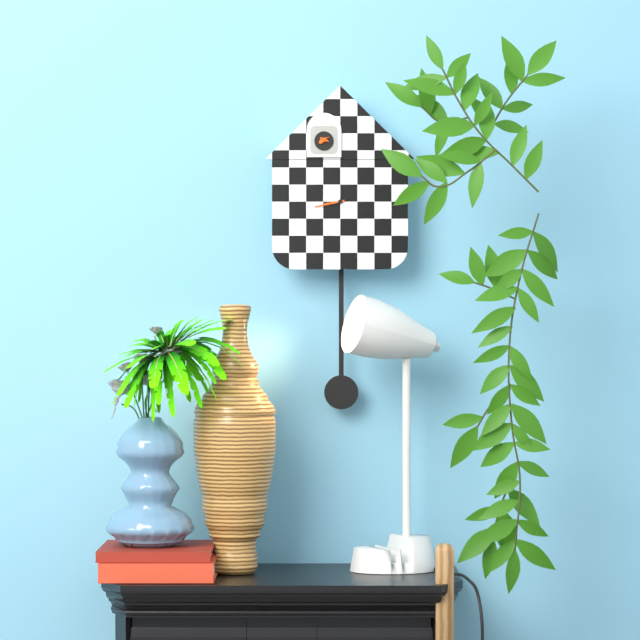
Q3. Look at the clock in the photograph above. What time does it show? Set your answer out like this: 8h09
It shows 8h43
